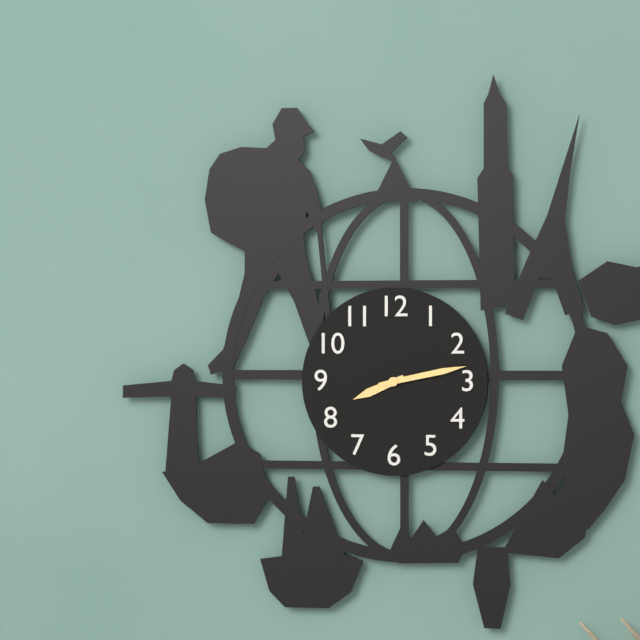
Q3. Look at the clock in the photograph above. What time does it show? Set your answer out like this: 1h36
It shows 8h13
